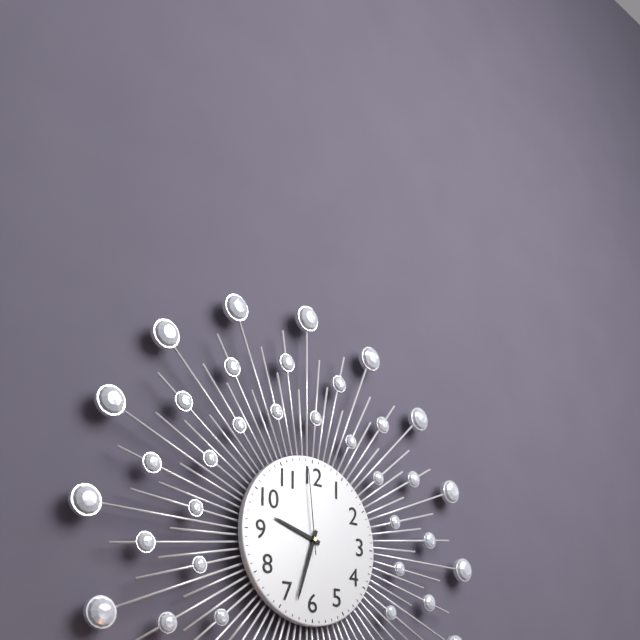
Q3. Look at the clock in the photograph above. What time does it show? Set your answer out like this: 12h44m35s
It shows 9h33m59s
